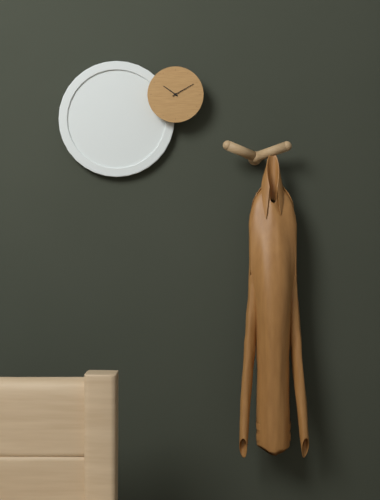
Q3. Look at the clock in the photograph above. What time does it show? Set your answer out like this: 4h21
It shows 10h10
